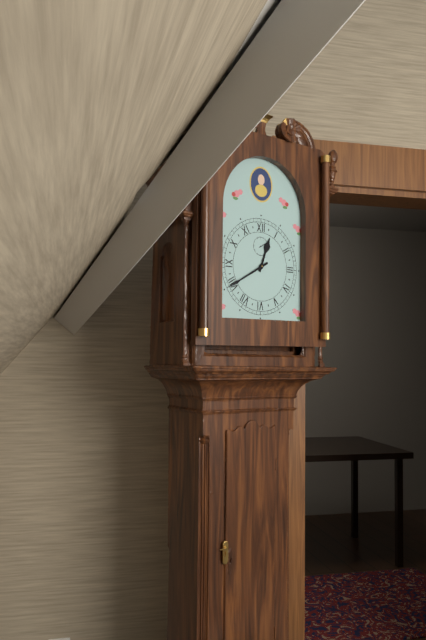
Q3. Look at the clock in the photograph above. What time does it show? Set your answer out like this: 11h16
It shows 12h40
